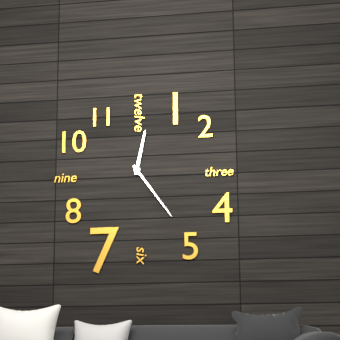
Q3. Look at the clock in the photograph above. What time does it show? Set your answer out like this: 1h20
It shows 12h24
